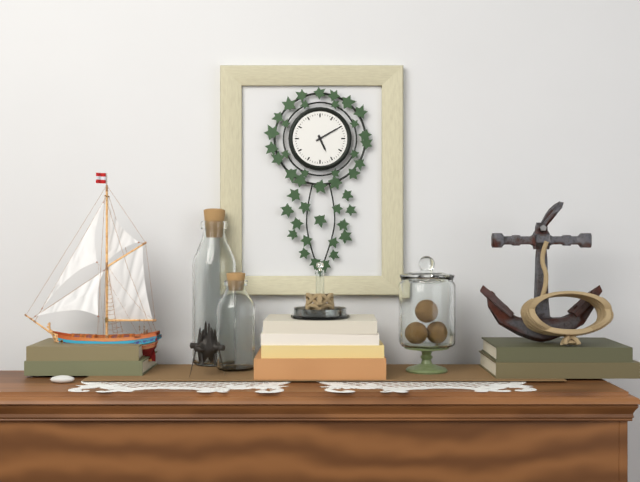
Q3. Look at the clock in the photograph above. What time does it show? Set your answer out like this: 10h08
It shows 5h10
